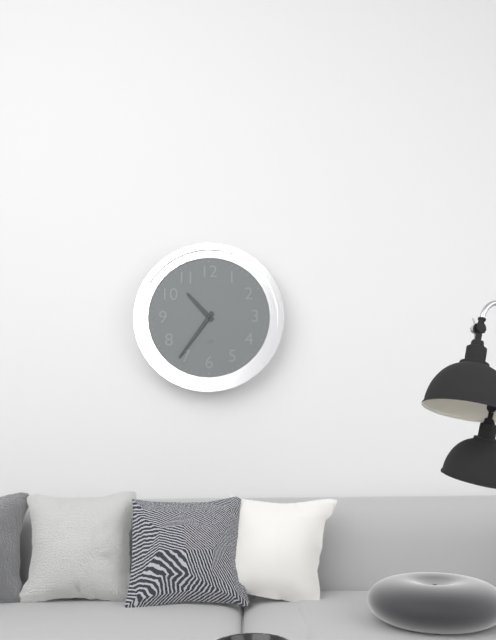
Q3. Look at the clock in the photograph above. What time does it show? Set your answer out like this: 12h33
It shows 10h36
